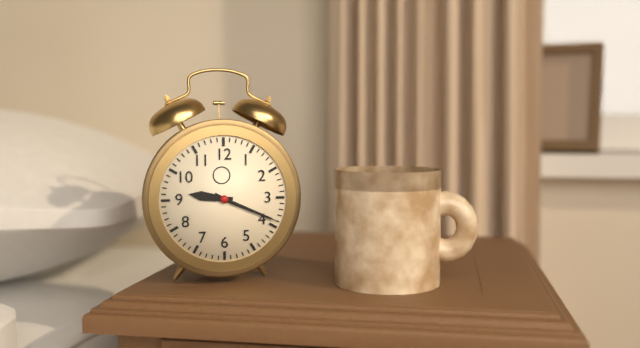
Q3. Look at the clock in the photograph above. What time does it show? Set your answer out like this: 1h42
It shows 9h19
